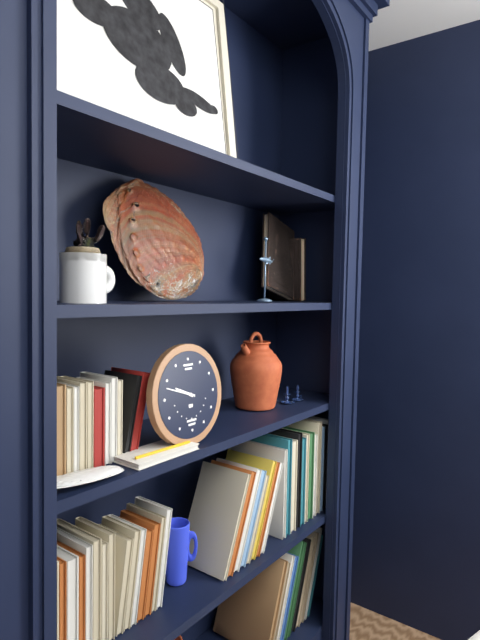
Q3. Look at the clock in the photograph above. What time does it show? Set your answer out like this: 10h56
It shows 9h48
